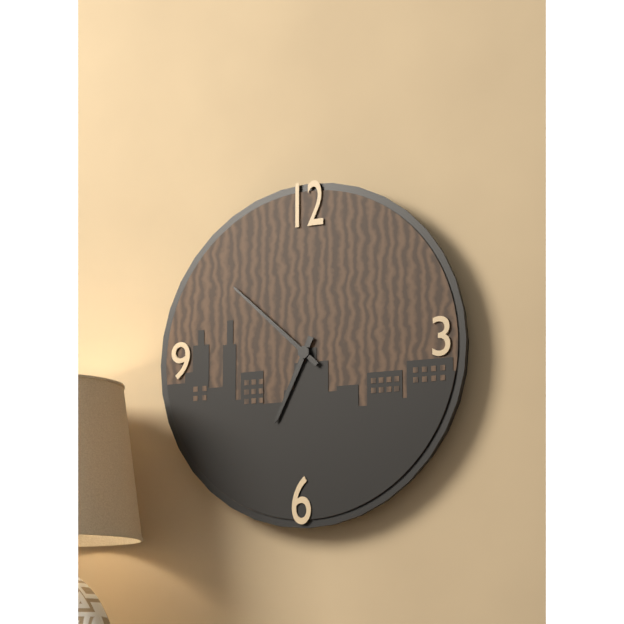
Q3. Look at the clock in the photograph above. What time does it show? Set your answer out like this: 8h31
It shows 6h52
